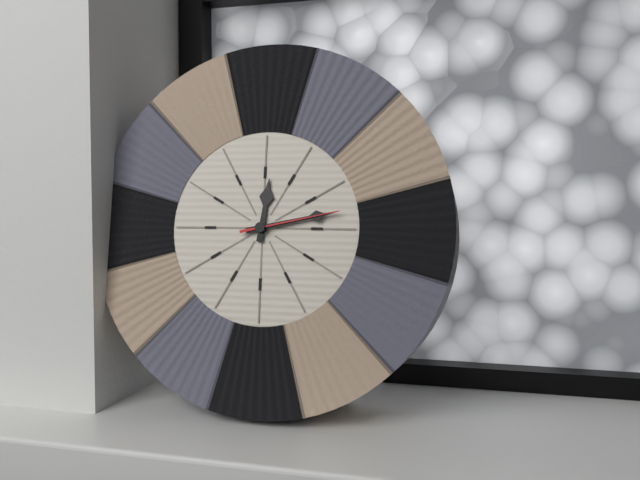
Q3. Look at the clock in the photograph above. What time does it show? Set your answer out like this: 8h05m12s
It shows 12h13m13s
